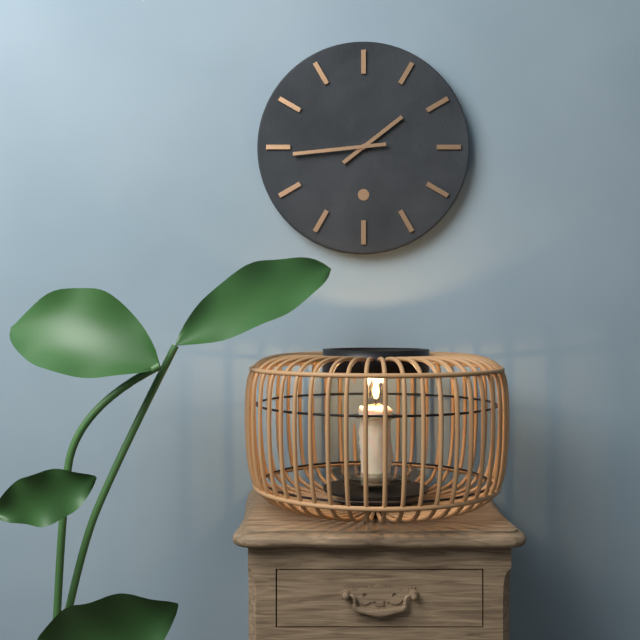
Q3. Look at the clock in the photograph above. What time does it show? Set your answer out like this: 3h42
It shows 1h44
